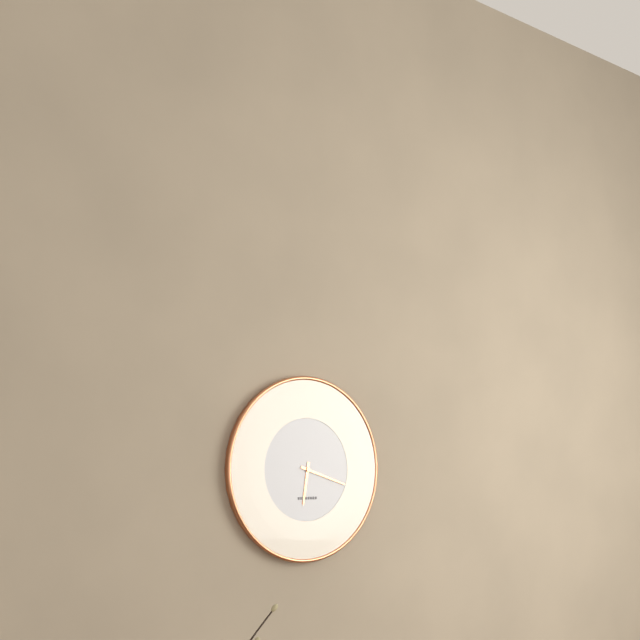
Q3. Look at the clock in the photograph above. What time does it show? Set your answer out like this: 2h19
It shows 6h18
